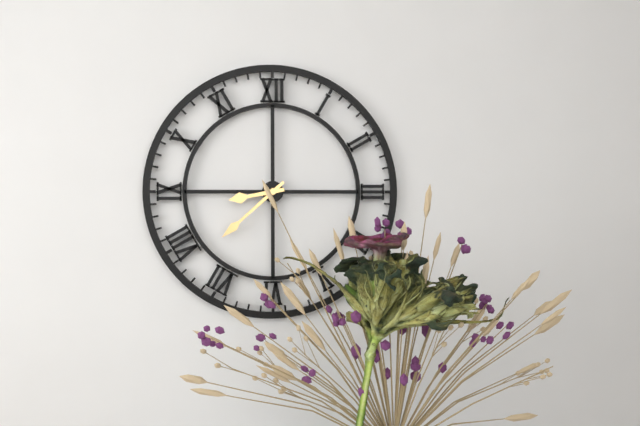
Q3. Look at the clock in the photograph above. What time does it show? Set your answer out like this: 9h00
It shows 8h38
